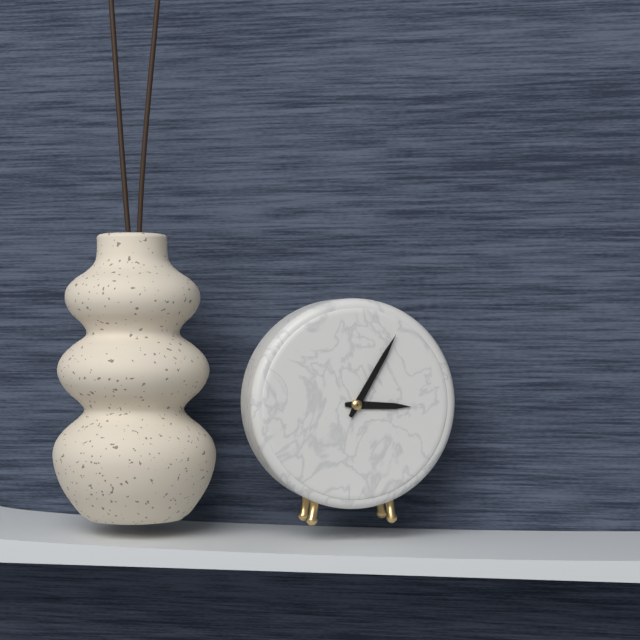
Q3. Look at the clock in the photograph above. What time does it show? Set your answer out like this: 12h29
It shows 3h05
